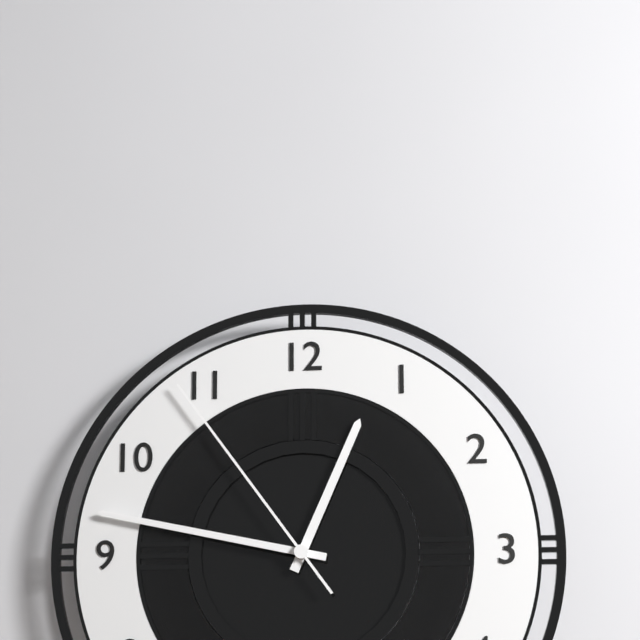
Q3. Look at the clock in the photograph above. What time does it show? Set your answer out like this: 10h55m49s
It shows 12h47m54s
